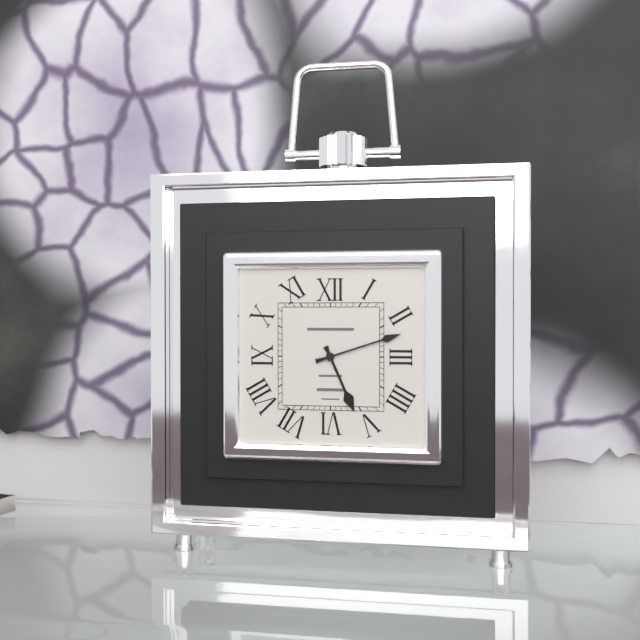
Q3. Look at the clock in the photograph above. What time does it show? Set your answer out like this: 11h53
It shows 5h12
